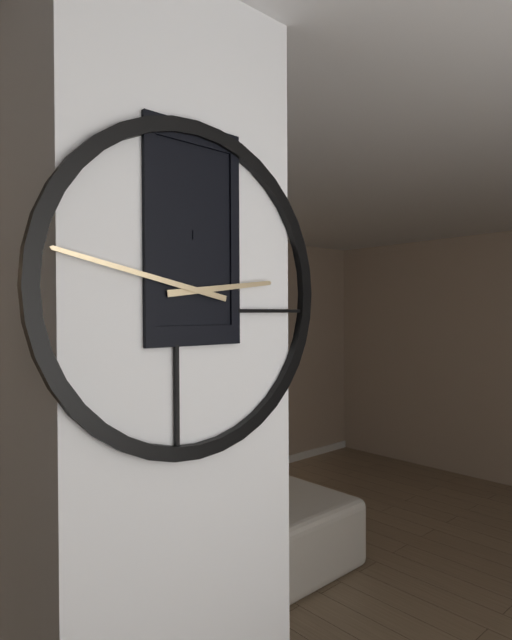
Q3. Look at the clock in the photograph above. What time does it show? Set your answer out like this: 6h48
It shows 2h47
